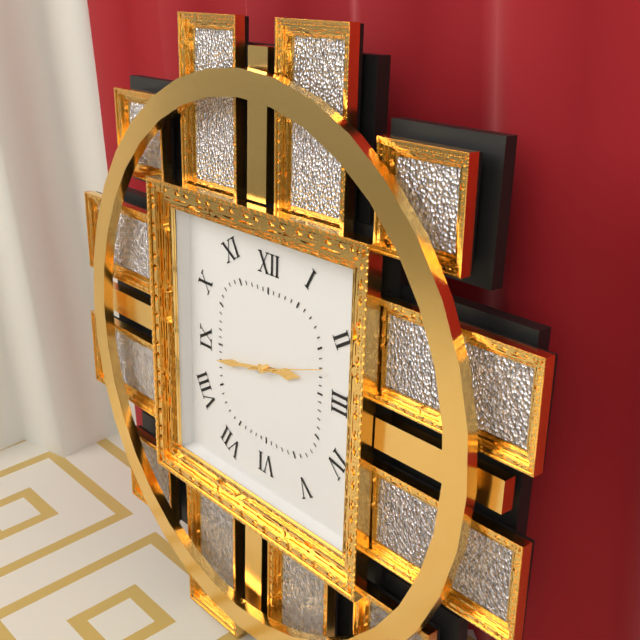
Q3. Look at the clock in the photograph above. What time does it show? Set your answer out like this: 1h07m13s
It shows 2h43m12s
